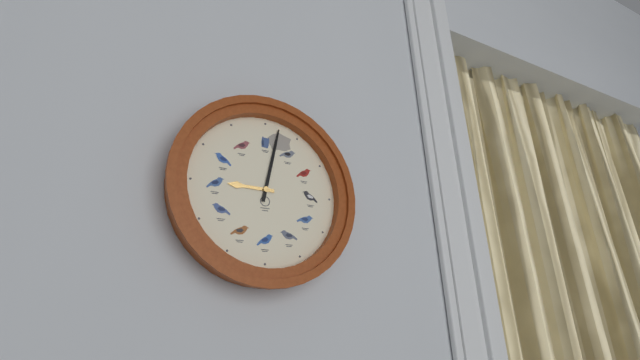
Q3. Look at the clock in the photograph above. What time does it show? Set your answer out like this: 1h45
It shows 9h02
